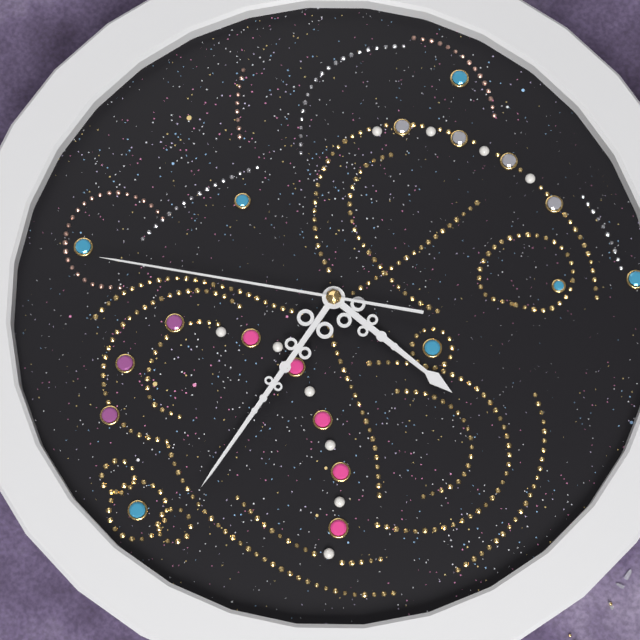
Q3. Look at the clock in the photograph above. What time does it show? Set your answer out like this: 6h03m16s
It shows 8h59m10s
